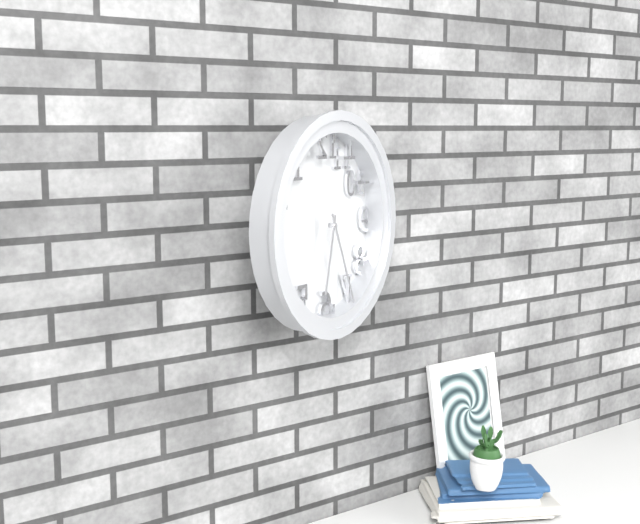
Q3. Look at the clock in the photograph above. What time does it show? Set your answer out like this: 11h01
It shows 6h26
